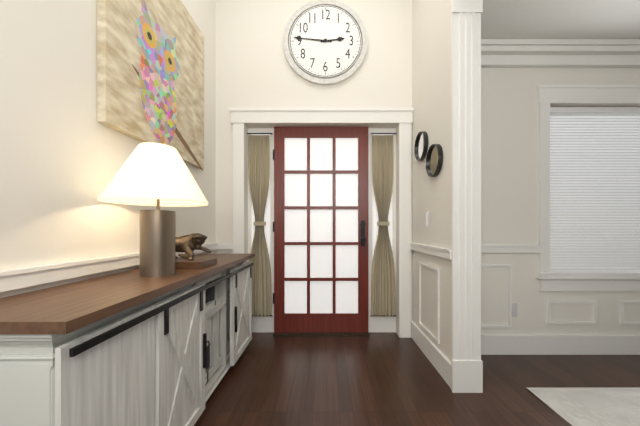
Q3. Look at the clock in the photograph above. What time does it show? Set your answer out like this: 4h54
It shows 2h46
